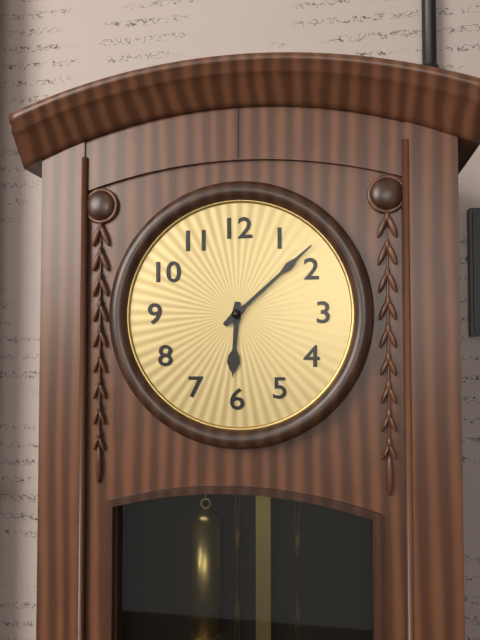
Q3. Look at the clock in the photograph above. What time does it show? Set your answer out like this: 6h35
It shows 6h08
